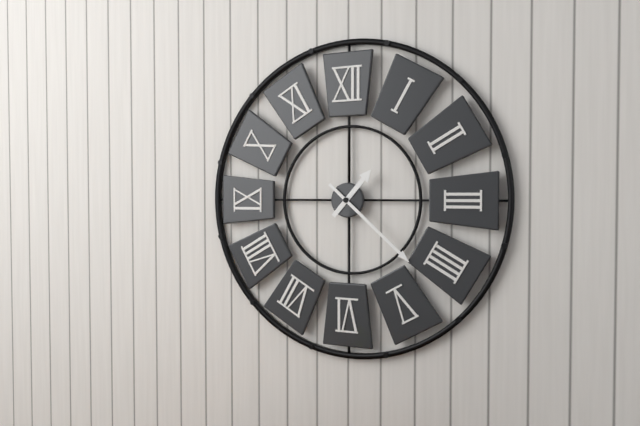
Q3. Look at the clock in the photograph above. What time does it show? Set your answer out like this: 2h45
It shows 1h22
